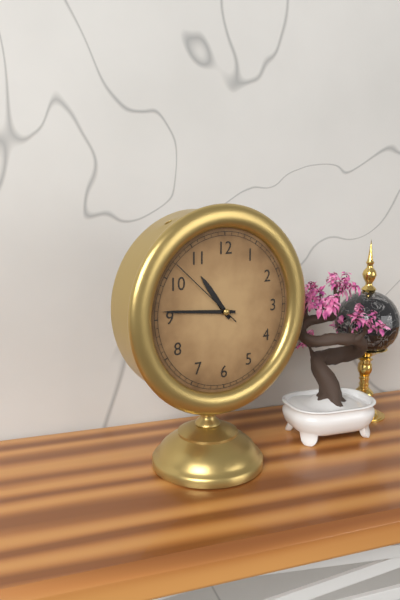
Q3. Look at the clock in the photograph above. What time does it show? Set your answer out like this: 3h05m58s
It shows 10h46m52s
